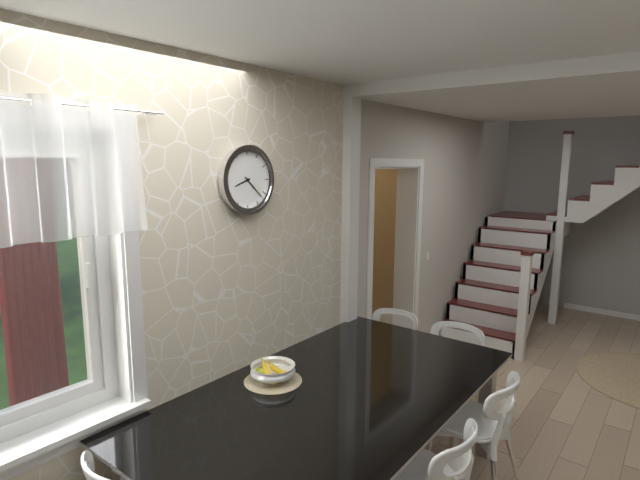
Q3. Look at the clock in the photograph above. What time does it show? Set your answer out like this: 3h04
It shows 8h22
